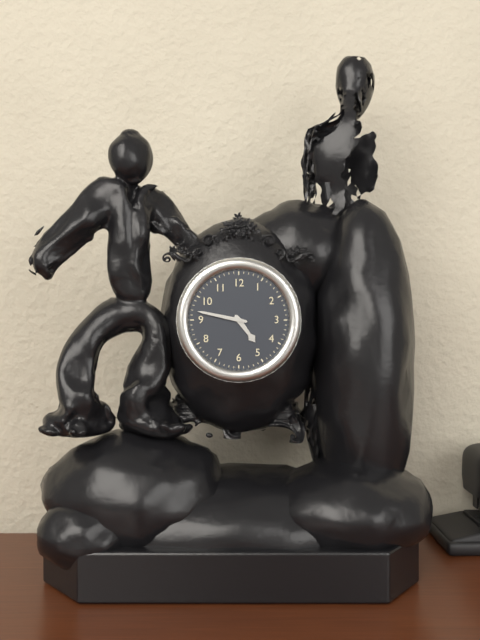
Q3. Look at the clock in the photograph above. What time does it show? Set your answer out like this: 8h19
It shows 4h47
